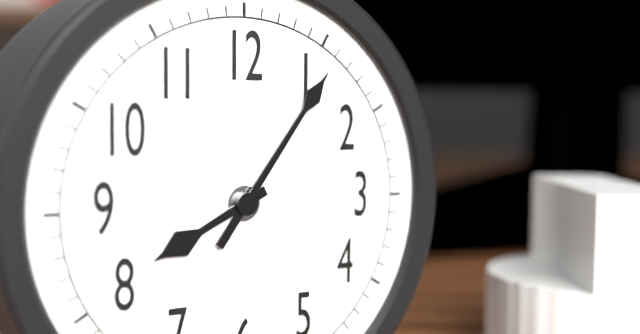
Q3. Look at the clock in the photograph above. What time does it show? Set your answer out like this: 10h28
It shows 8h06
